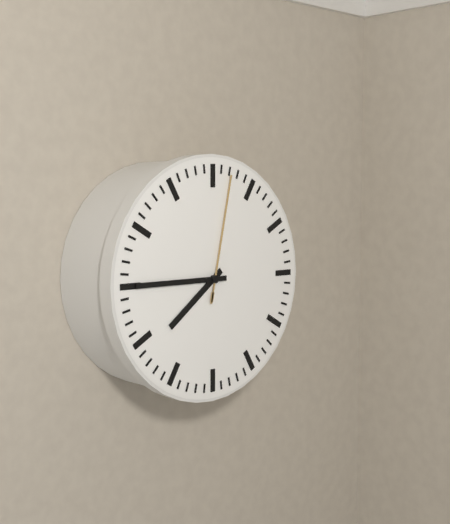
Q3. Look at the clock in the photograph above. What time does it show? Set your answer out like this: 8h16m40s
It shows 7h45m02s
